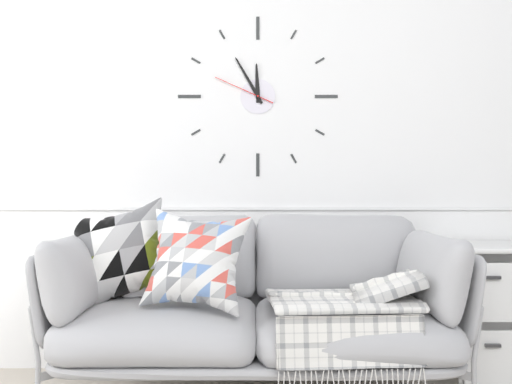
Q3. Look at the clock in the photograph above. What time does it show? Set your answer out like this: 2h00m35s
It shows 11h55m49s
